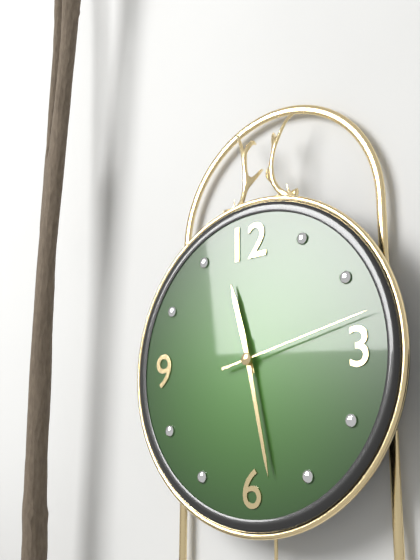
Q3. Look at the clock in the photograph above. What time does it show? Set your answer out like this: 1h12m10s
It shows 11h28m13s
